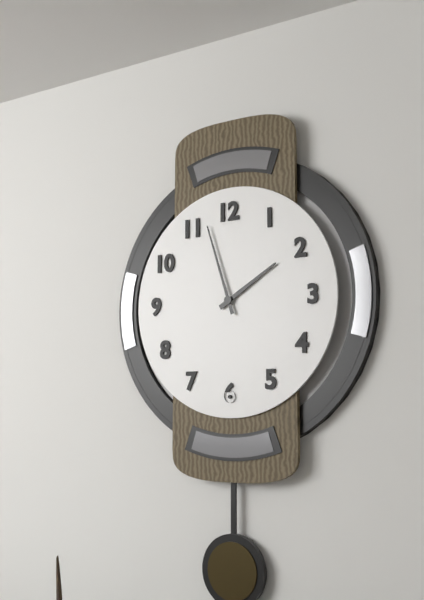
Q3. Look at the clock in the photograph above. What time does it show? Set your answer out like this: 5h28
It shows 1h57
